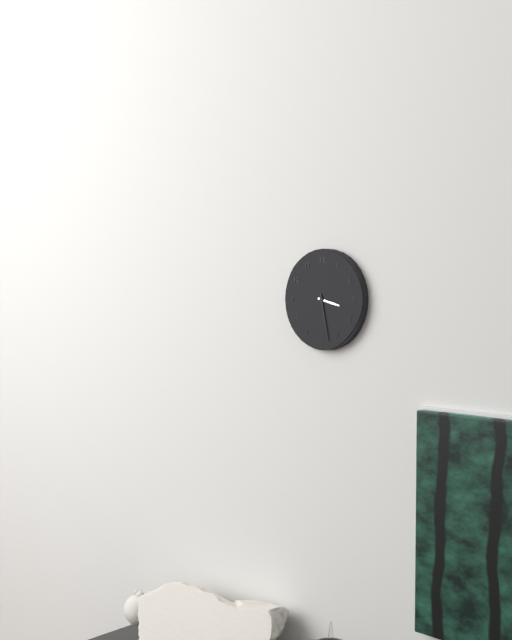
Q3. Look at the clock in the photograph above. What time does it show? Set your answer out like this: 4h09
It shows 3h28
